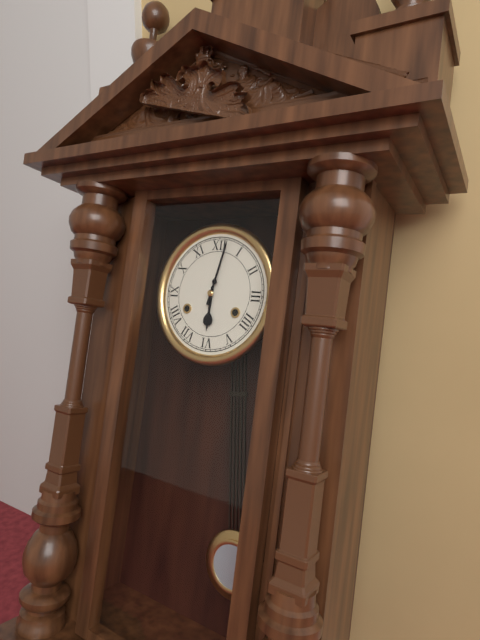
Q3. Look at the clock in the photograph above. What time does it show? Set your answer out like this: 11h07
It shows 6h02
